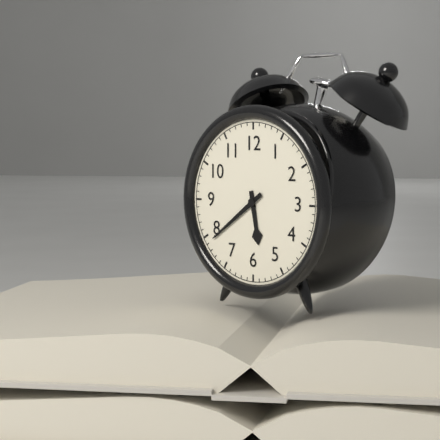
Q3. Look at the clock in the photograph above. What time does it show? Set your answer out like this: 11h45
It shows 5h39
